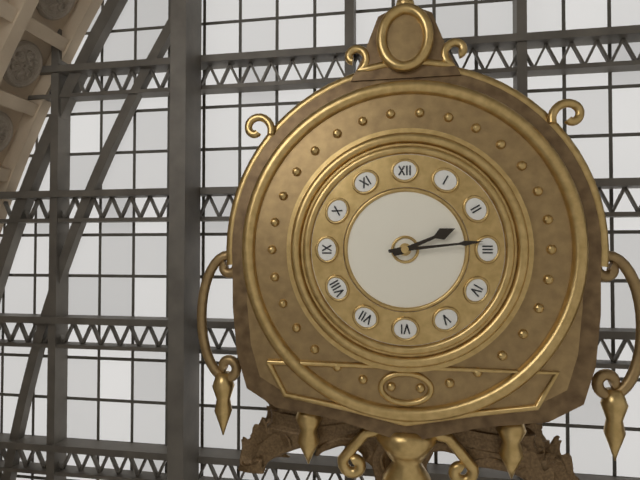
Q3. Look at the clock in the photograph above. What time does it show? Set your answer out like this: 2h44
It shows 2h14
